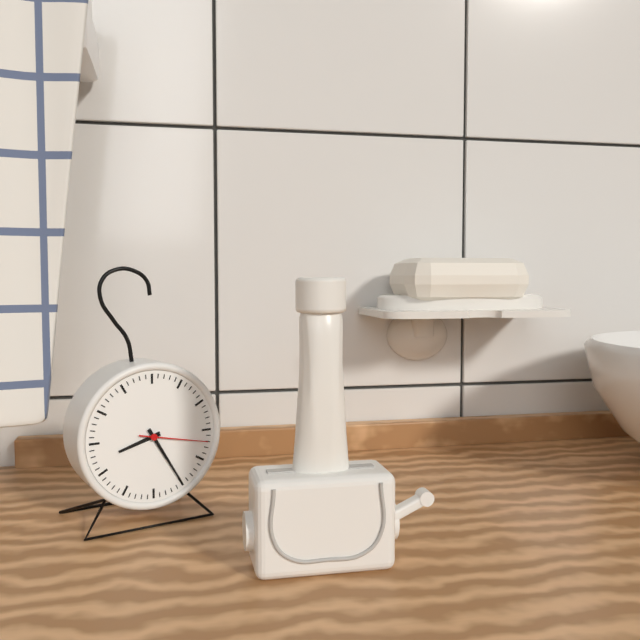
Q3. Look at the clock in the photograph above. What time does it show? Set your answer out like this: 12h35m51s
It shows 8h25m17s
